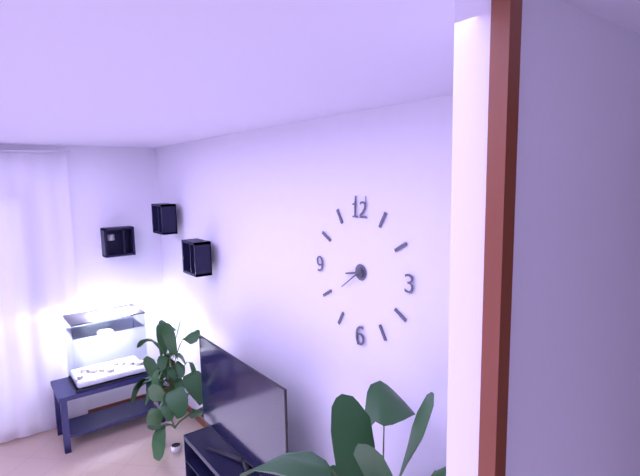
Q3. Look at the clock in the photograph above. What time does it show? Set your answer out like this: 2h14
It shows 8h39
